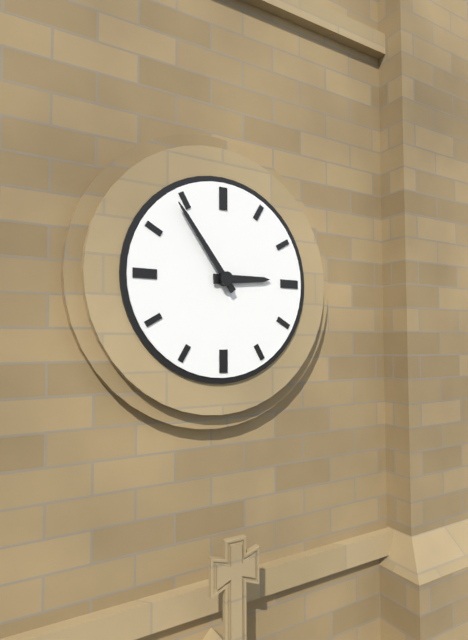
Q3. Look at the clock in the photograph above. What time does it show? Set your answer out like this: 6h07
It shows 2h54
